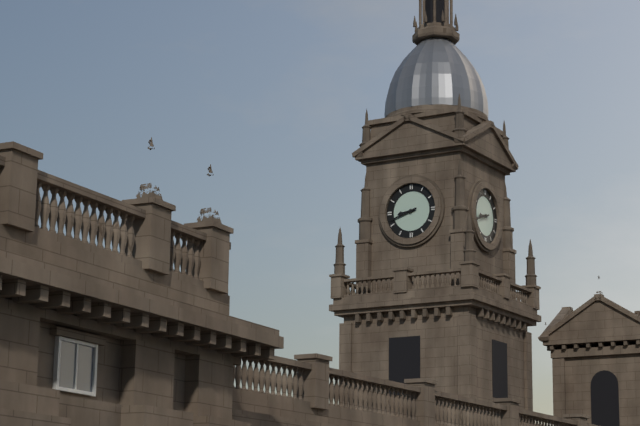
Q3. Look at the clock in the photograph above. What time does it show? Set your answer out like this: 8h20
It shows 8h42
